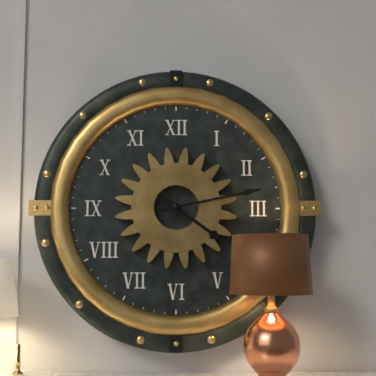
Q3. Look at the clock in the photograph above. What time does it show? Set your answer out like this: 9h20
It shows 4h13
